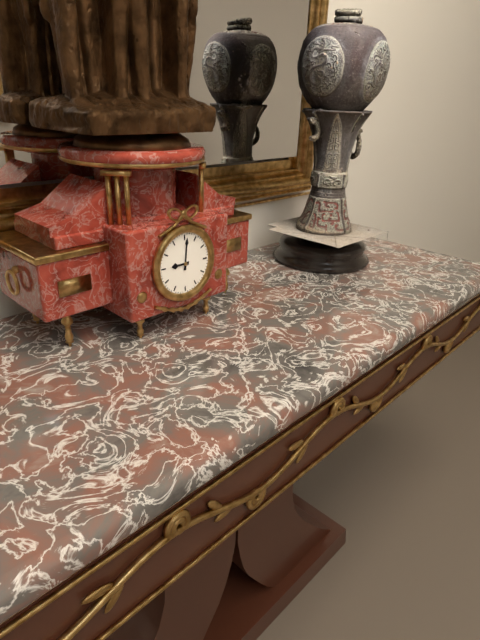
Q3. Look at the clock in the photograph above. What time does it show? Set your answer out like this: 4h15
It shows 9h01
